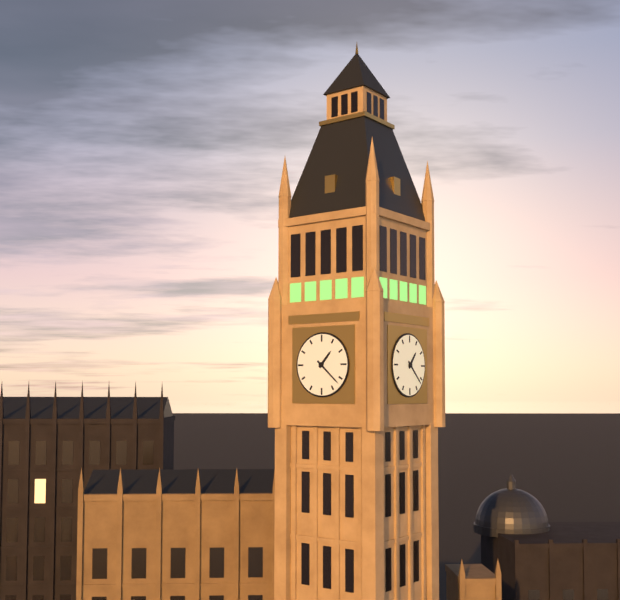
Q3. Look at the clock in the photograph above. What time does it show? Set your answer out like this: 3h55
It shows 1h22
